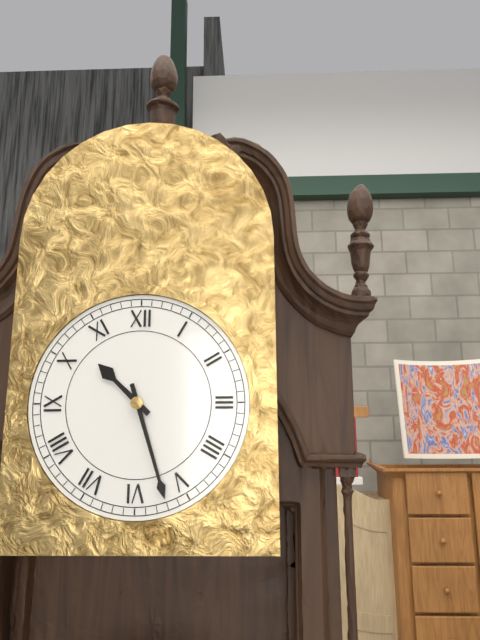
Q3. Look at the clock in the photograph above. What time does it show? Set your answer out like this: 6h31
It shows 10h27
